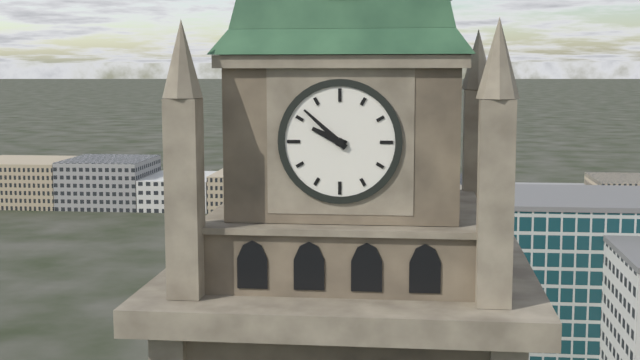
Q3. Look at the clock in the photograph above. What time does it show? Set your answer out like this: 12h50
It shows 9h52
